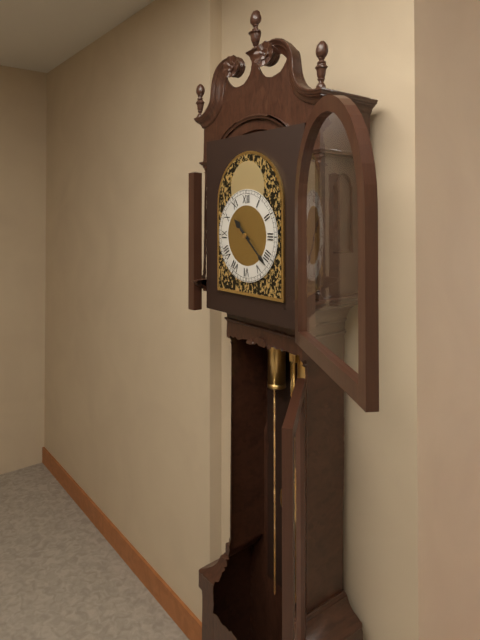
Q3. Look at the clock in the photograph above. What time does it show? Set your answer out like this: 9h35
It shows 10h22
